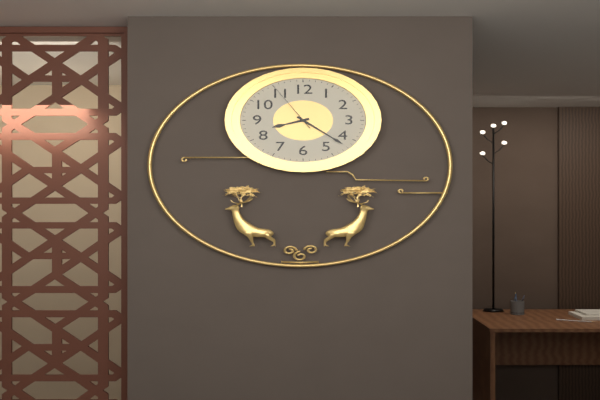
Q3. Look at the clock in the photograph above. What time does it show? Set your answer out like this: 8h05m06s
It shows 8h22m55s
